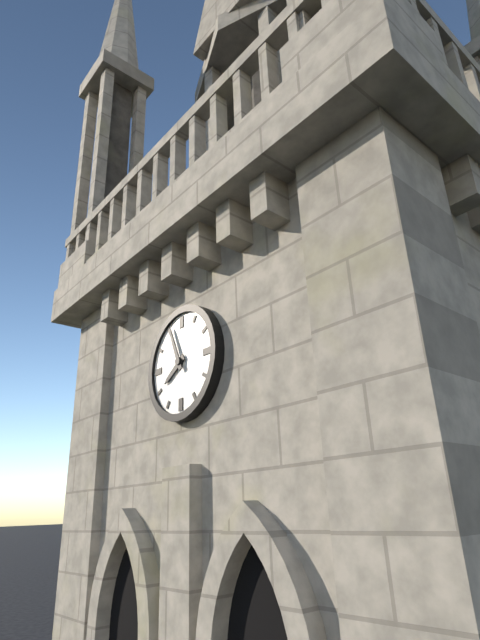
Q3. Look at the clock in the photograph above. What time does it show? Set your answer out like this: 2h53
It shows 7h56
